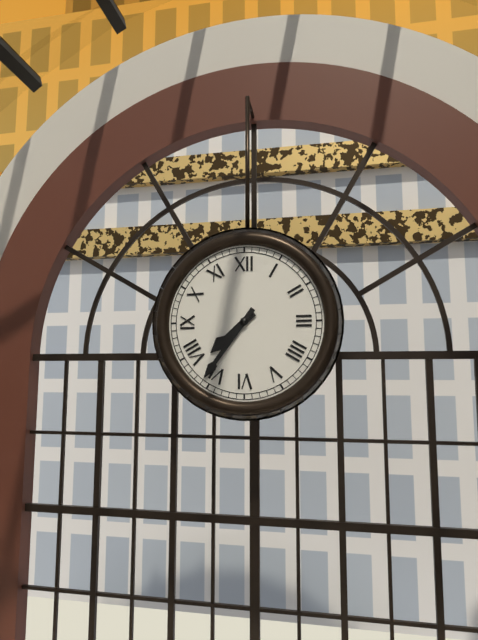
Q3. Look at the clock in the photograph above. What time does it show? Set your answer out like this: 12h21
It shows 7h36
